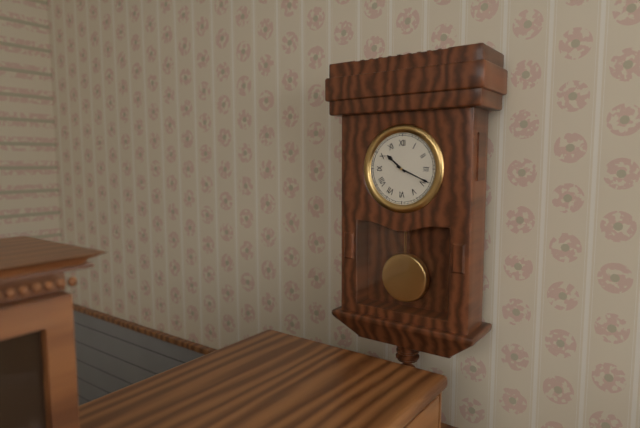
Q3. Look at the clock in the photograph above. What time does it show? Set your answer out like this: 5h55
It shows 10h19
